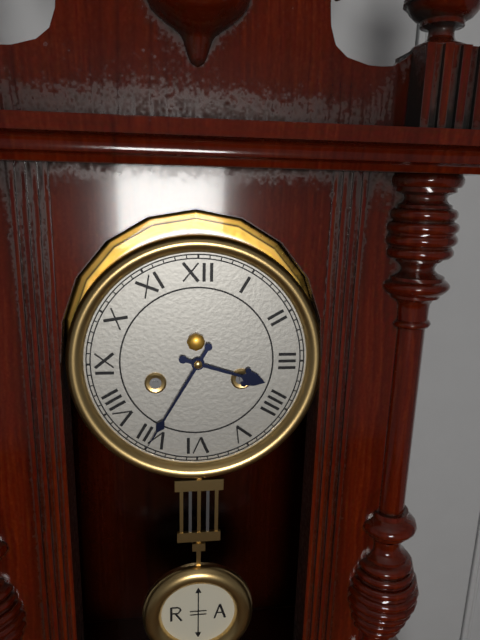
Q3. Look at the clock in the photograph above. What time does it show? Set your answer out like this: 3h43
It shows 3h35
